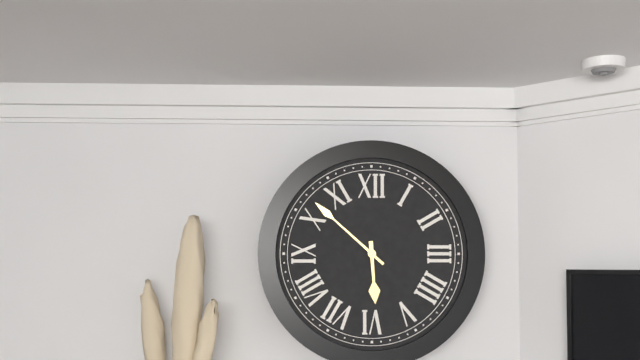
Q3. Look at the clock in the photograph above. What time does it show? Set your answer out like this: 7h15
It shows 5h52
